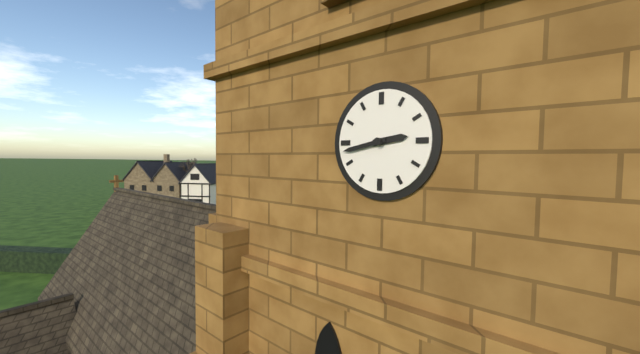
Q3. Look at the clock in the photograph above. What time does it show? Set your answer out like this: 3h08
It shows 2h43
